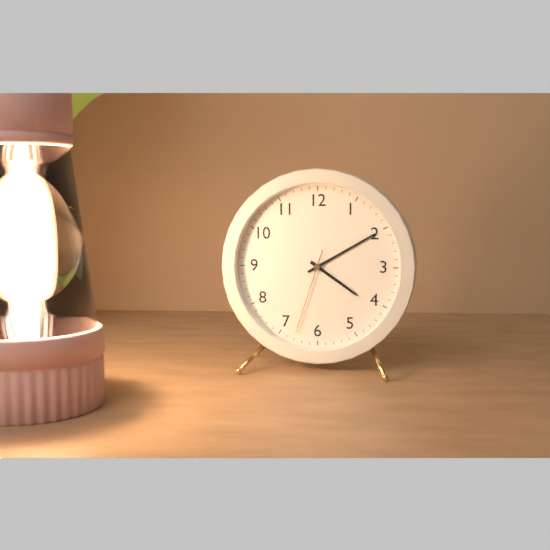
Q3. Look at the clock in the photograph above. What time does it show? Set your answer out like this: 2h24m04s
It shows 4h10m33s
